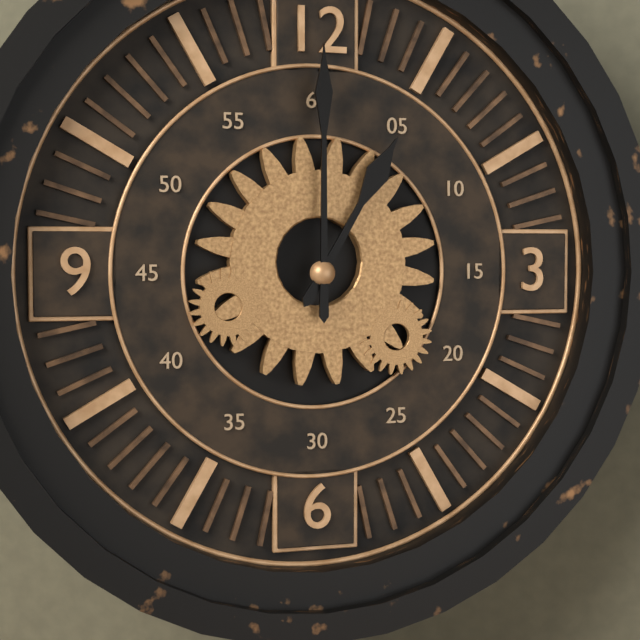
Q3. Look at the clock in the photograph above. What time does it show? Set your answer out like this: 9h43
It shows 1h00
